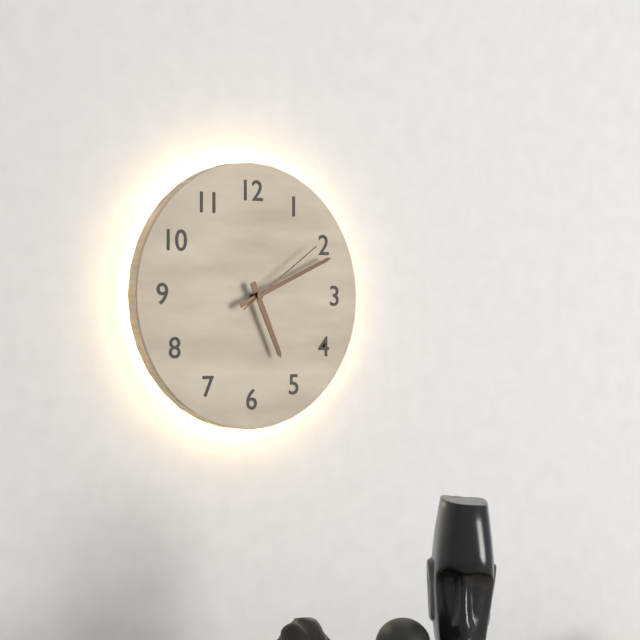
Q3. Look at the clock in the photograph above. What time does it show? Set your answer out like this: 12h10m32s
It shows 5h11m09s
